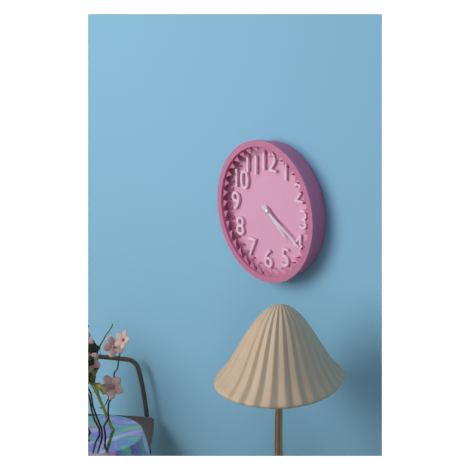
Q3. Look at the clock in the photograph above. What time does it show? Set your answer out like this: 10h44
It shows 4h20
